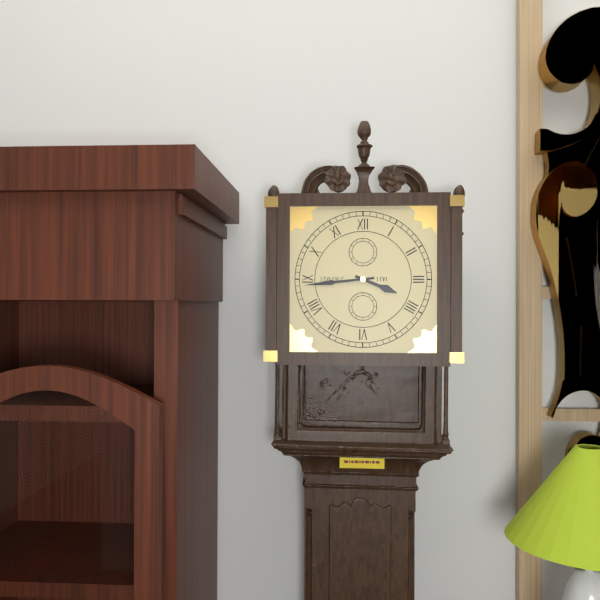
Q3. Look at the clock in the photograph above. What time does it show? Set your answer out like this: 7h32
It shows 3h44
